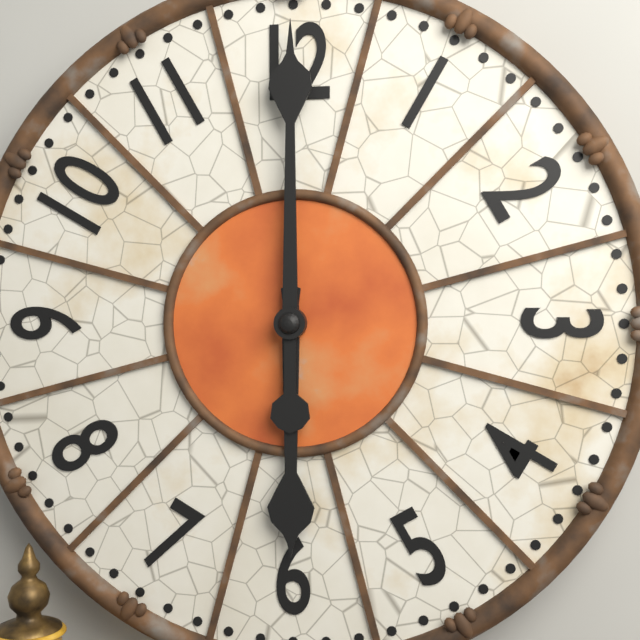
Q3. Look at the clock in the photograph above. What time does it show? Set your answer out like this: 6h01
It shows 6h00
